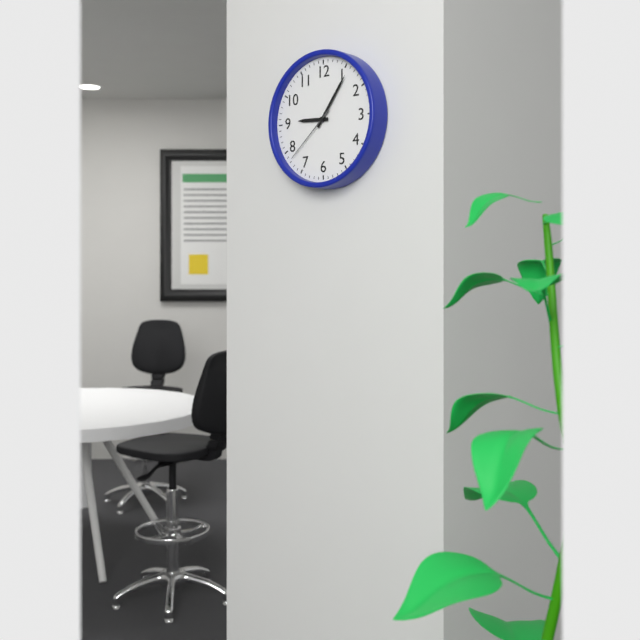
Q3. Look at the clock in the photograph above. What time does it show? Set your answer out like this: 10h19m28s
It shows 9h06m38s
